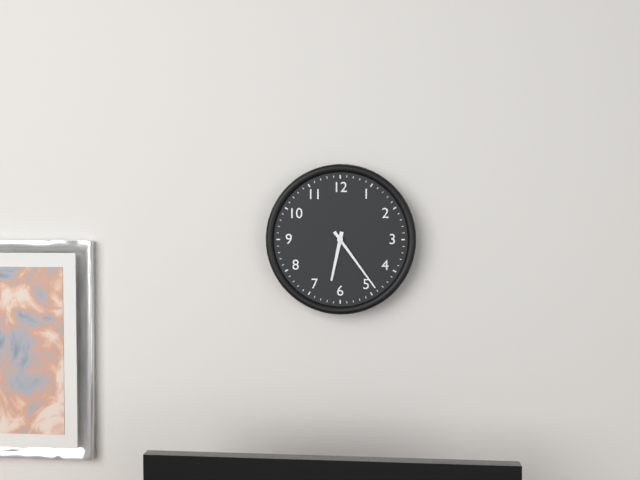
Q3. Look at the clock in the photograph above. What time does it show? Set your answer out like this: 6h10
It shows 6h24
